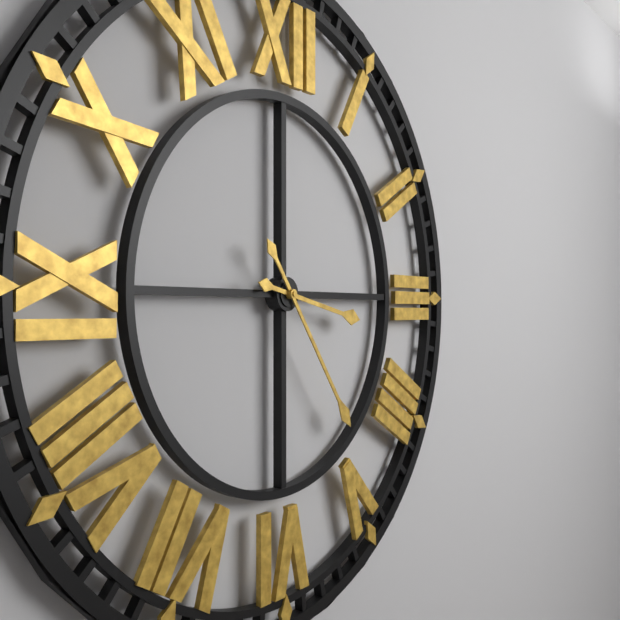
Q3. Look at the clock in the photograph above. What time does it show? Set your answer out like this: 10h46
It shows 3h24
